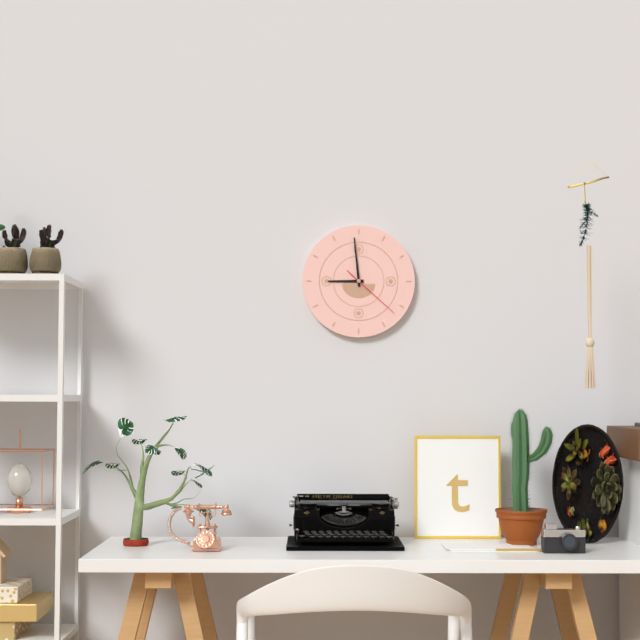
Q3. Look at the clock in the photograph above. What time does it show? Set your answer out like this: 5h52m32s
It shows 8h59m22s
